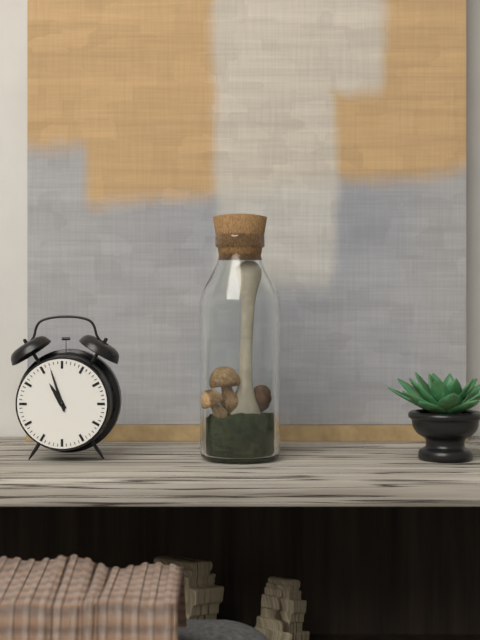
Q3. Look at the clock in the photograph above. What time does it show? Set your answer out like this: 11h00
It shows 10h57
